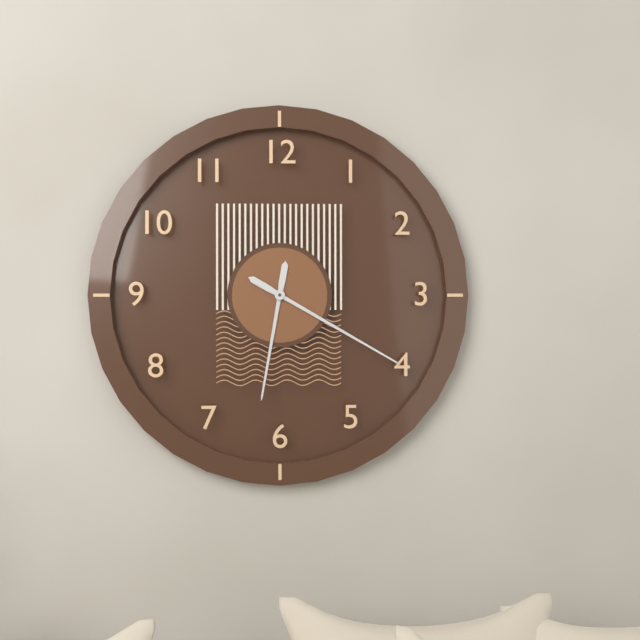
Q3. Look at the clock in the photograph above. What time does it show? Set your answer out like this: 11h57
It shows 6h20
